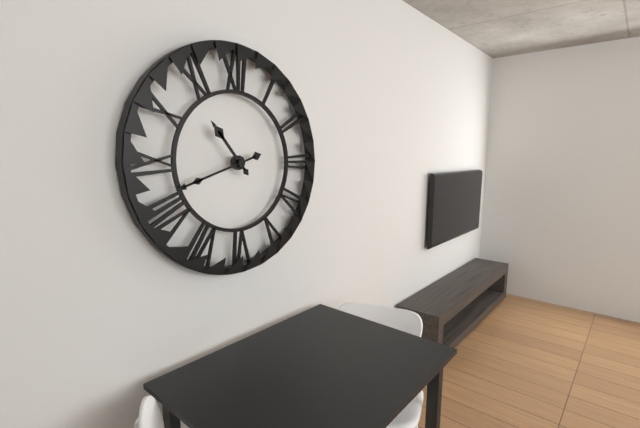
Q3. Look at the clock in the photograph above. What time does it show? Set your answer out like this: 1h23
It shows 10h42
